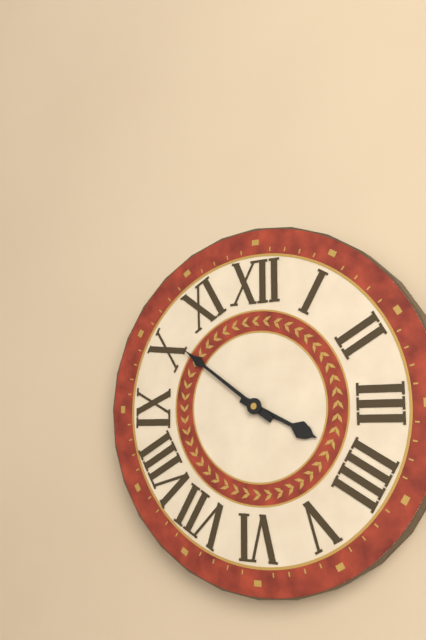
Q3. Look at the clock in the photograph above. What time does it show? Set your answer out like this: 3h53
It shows 3h51
